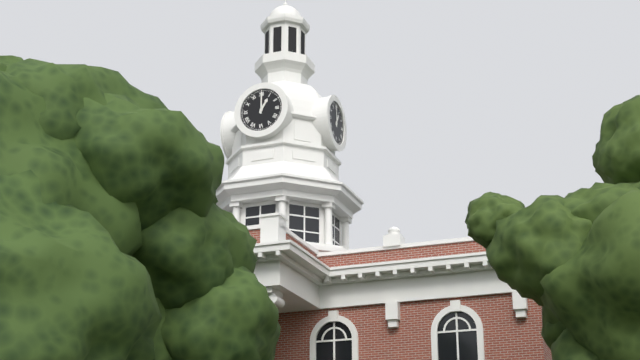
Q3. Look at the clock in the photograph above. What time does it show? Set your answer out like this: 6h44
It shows 1h00
